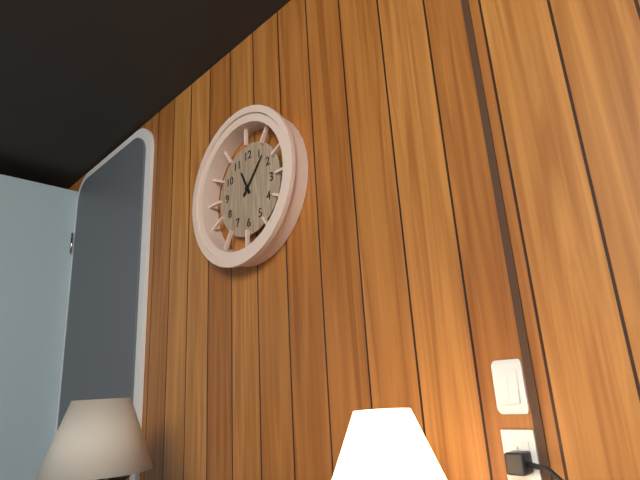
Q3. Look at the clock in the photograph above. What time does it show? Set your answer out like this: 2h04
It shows 11h07
